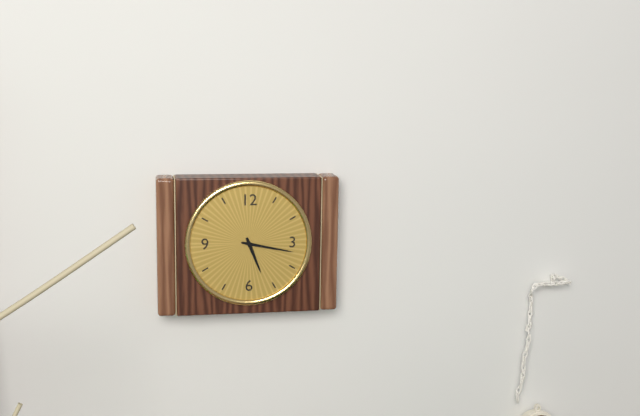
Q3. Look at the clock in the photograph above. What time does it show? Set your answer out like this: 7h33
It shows 5h17
